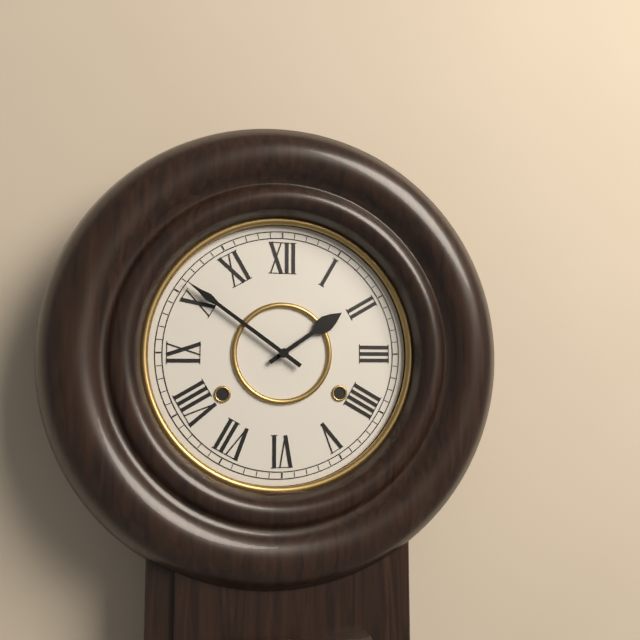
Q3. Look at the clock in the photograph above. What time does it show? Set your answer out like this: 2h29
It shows 1h51
